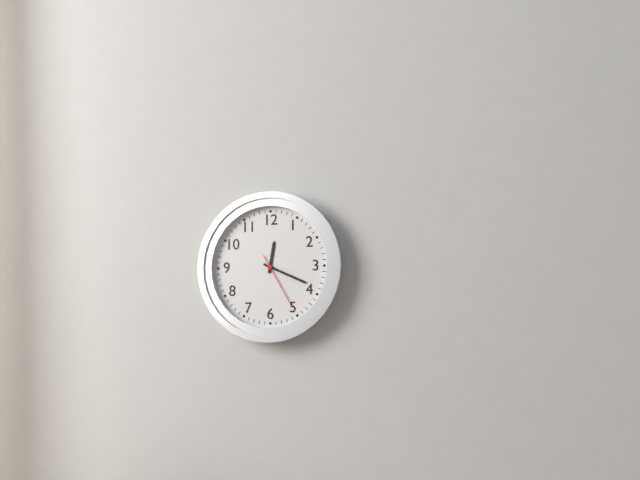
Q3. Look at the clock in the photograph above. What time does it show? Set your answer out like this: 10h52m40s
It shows 12h19m25s
